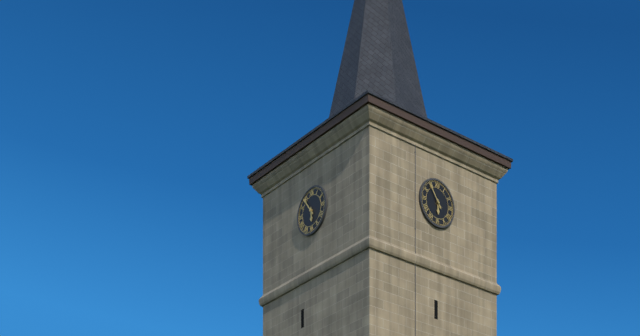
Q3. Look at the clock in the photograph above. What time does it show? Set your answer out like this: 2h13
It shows 5h54
